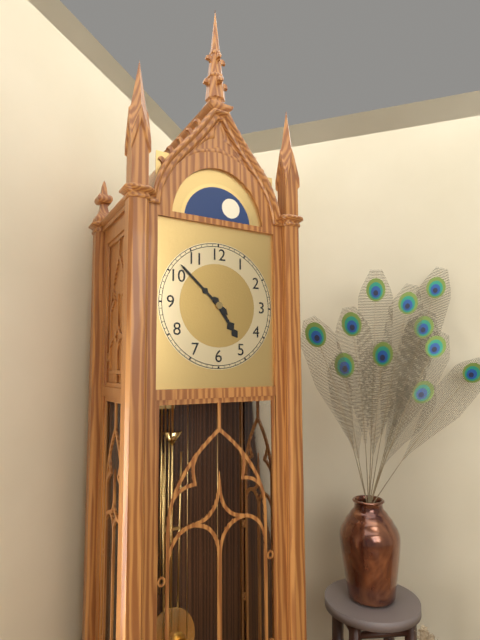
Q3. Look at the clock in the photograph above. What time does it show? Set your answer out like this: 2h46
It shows 4h52
